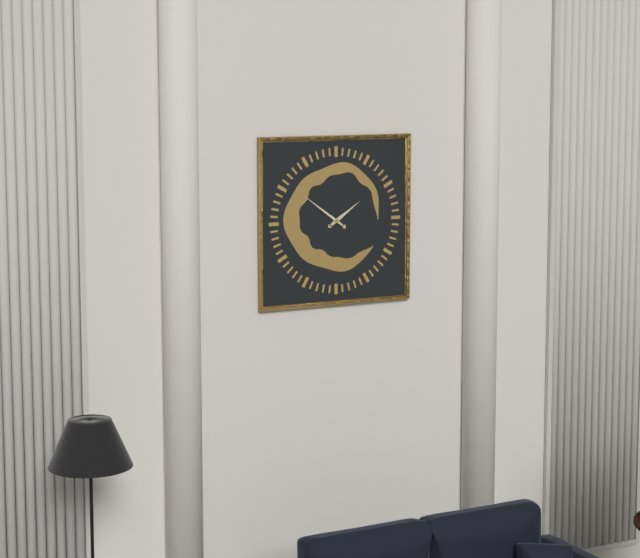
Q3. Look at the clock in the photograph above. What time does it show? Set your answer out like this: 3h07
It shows 1h51
